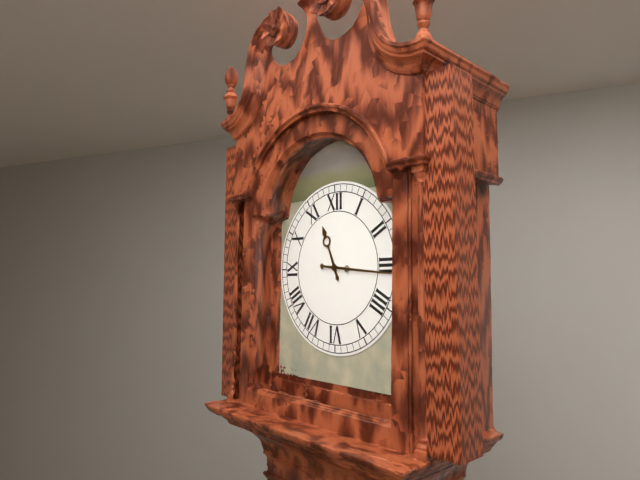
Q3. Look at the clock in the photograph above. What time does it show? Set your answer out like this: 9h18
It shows 11h16
